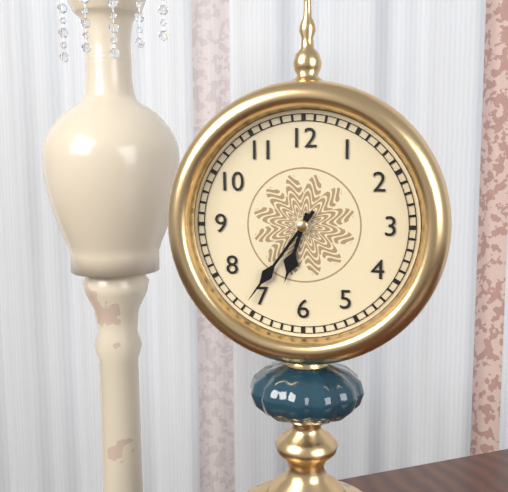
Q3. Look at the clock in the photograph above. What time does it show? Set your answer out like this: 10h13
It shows 6h36
